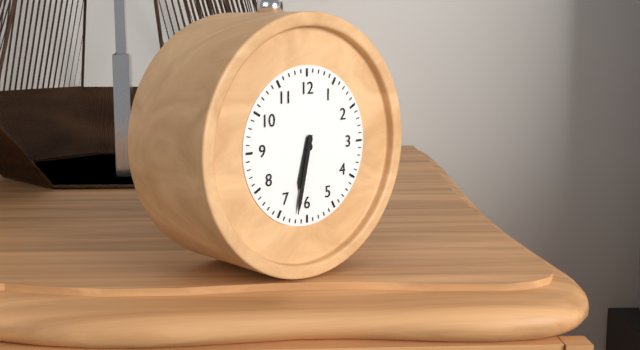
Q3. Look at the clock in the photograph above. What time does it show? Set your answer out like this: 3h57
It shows 6h32
